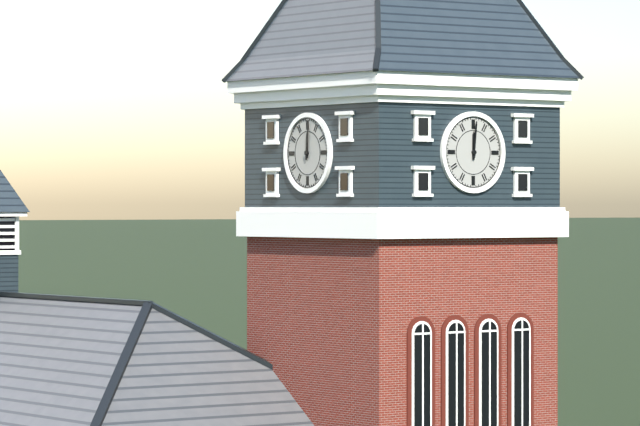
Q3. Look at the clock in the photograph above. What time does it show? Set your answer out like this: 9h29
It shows 12h01
